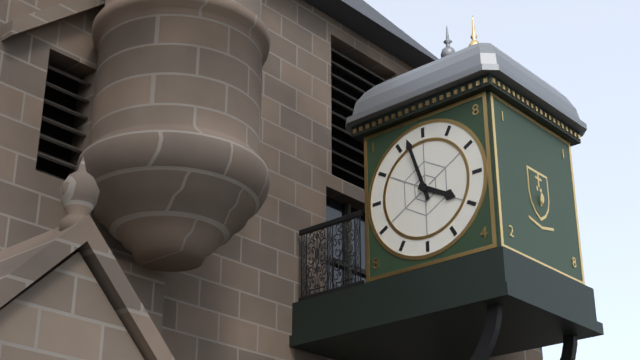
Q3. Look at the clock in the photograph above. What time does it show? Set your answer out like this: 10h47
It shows 3h57
